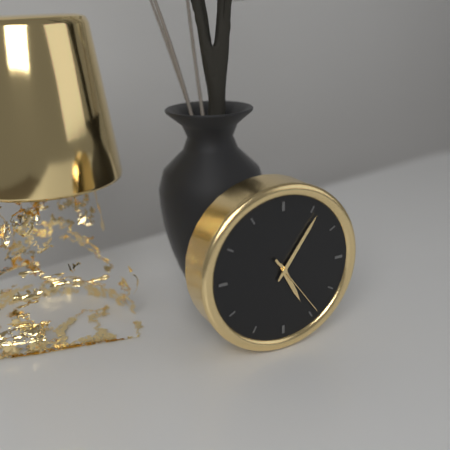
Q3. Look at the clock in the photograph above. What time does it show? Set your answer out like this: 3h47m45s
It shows 5h06m24s
